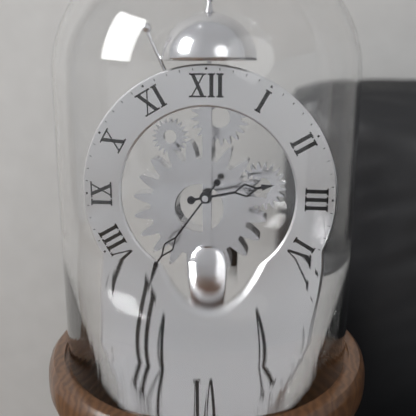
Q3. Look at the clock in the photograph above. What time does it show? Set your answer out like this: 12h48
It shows 2h36
